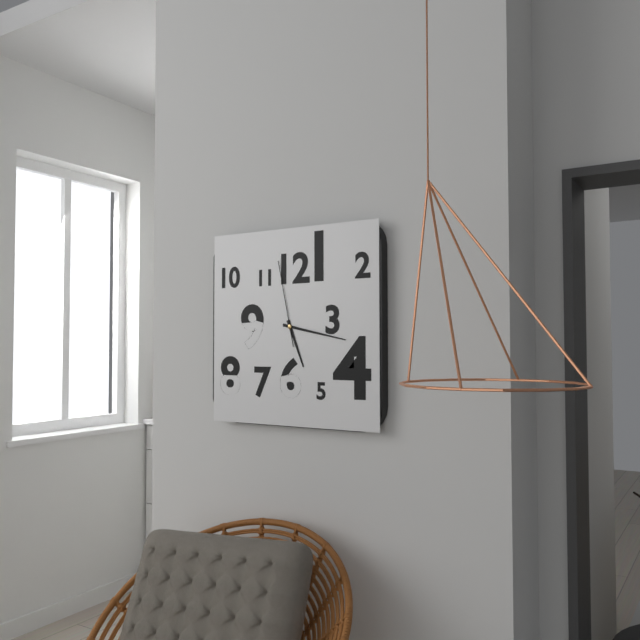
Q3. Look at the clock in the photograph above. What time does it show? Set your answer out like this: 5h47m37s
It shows 5h17m58s
